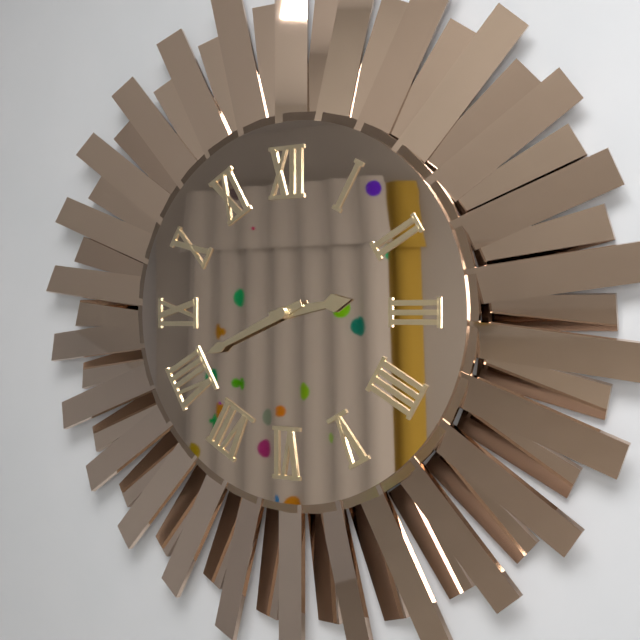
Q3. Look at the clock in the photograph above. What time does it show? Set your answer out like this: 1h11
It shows 2h41
